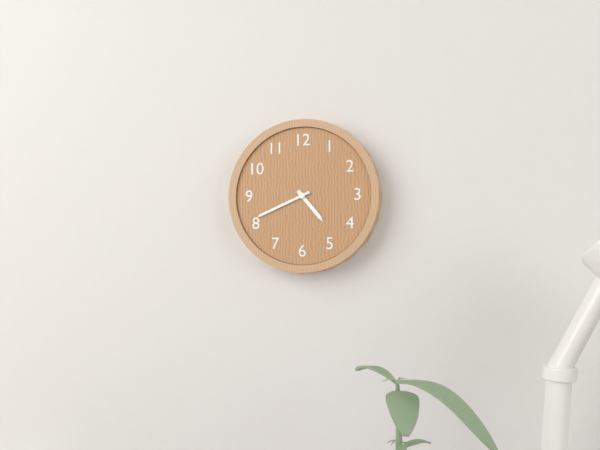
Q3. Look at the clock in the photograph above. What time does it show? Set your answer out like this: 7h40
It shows 4h41
